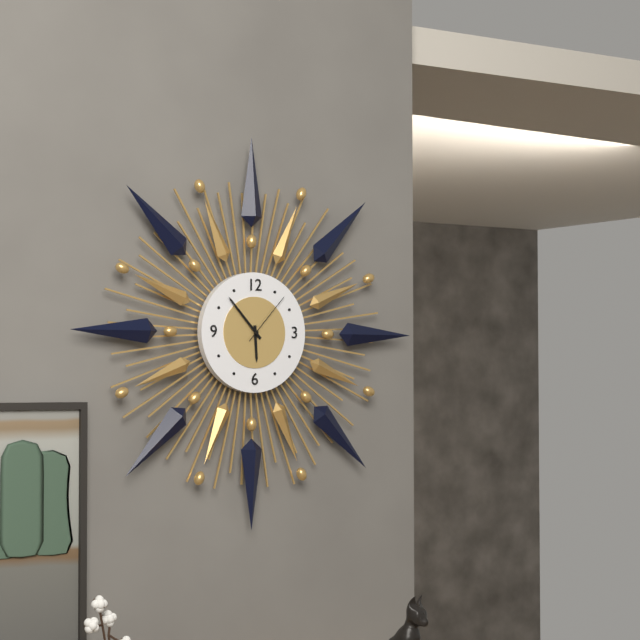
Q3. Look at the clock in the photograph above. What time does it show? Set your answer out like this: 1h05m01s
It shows 5h53m07s
